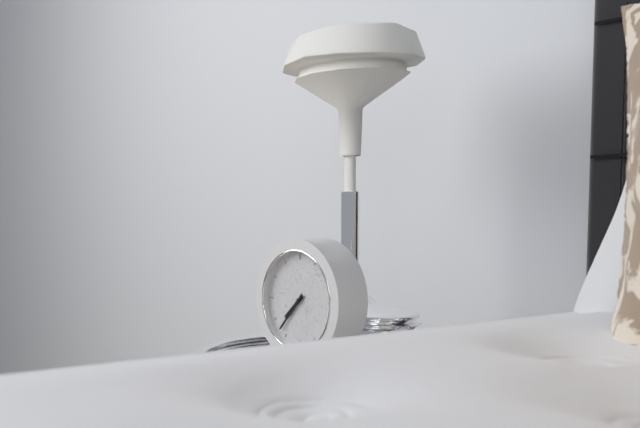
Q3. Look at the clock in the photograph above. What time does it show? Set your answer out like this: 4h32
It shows 7h37
